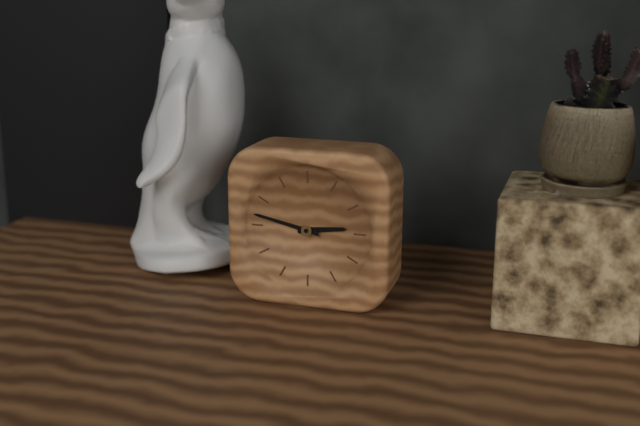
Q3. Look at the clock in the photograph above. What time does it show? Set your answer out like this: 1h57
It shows 2h47
